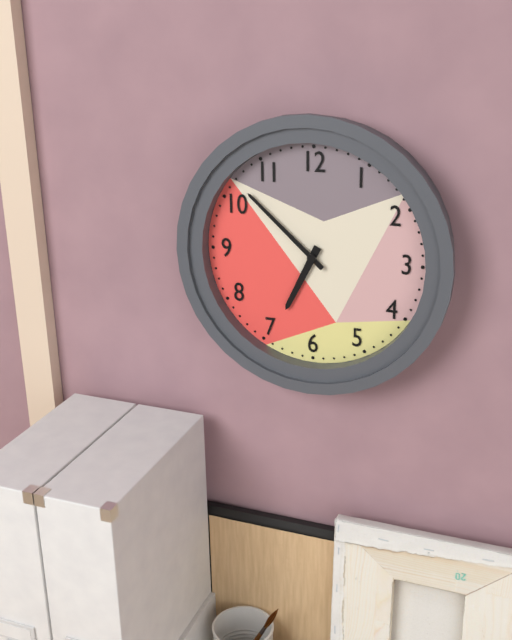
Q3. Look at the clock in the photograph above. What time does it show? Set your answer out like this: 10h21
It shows 6h52
